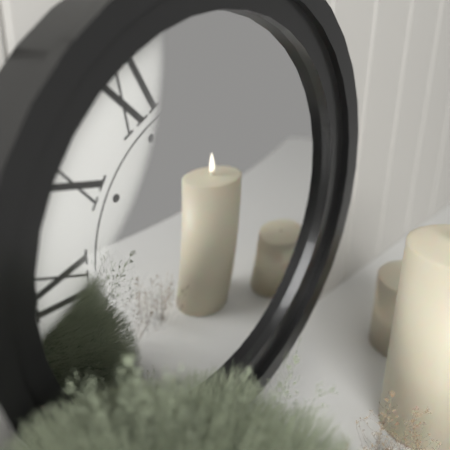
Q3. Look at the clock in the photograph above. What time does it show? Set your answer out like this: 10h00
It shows 12h36
